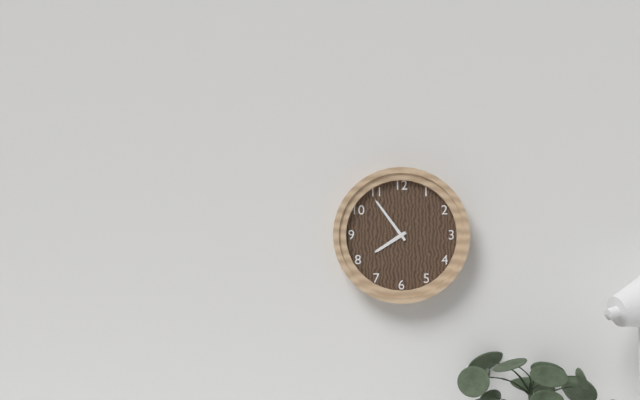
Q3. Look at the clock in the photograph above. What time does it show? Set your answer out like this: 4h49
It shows 7h54
